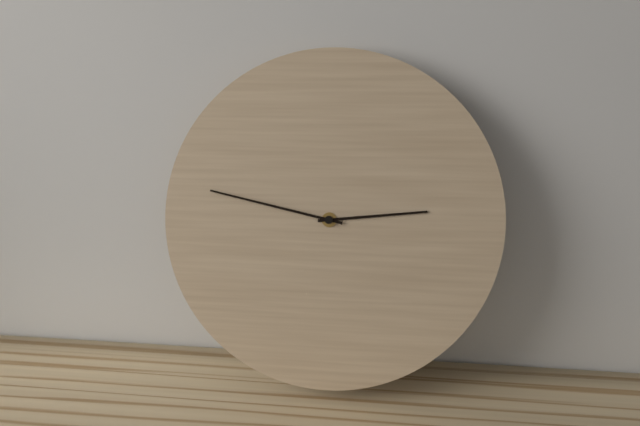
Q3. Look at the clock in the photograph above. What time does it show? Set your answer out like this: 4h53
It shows 2h47
